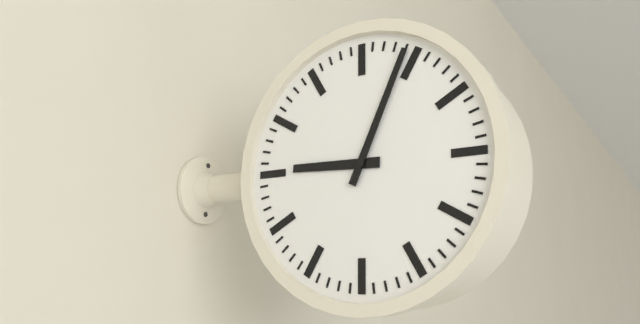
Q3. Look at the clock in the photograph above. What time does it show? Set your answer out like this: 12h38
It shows 9h04
